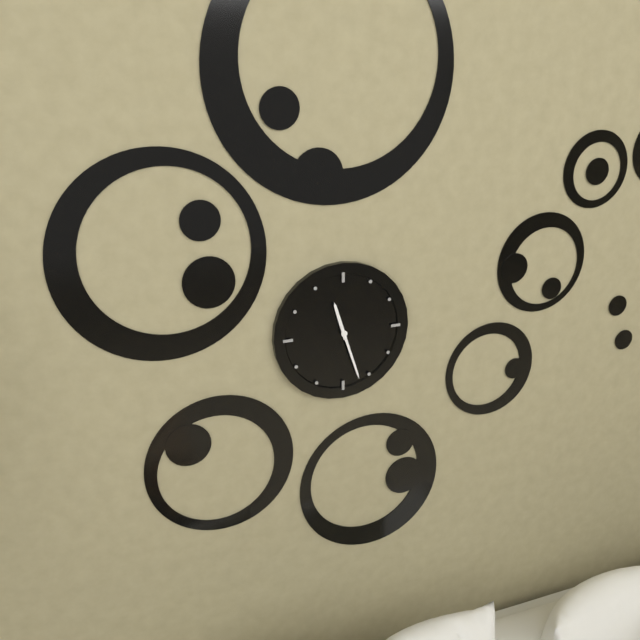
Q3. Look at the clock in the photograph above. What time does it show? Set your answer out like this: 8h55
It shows 11h27
